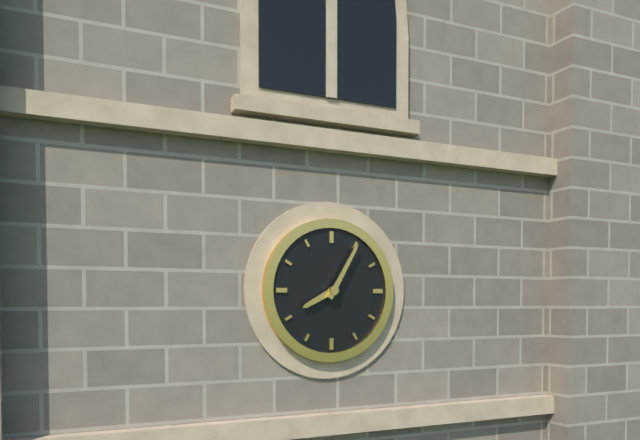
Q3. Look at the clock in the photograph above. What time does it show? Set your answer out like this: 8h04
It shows 8h05
